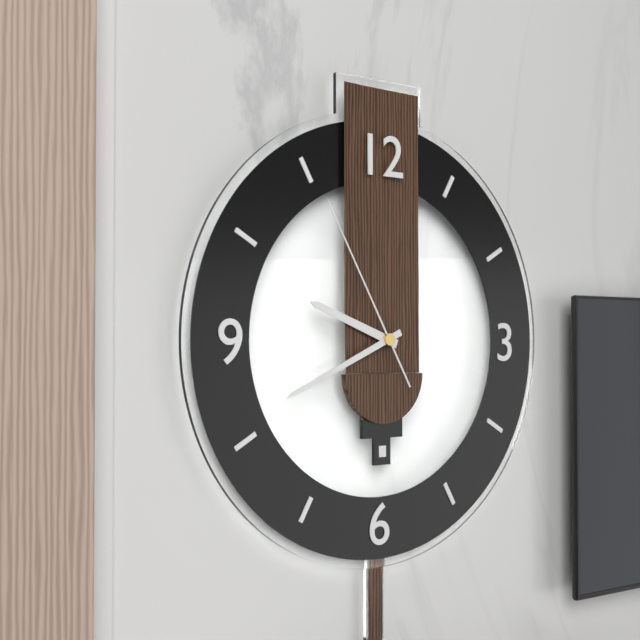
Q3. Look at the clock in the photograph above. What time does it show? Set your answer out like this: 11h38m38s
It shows 9h41m55s
